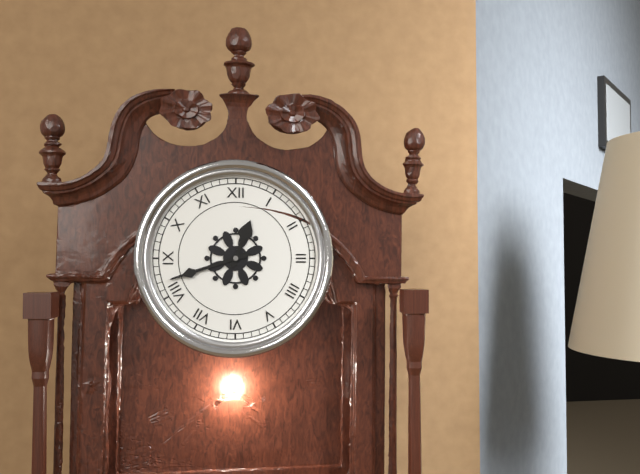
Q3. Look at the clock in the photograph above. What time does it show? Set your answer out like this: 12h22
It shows 12h42
